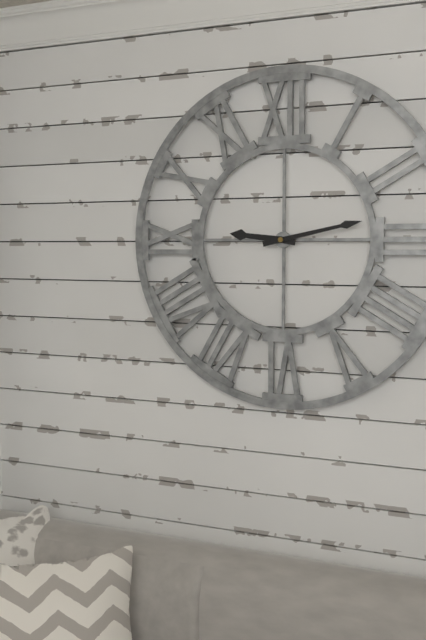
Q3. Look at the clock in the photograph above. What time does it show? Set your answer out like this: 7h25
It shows 9h13
